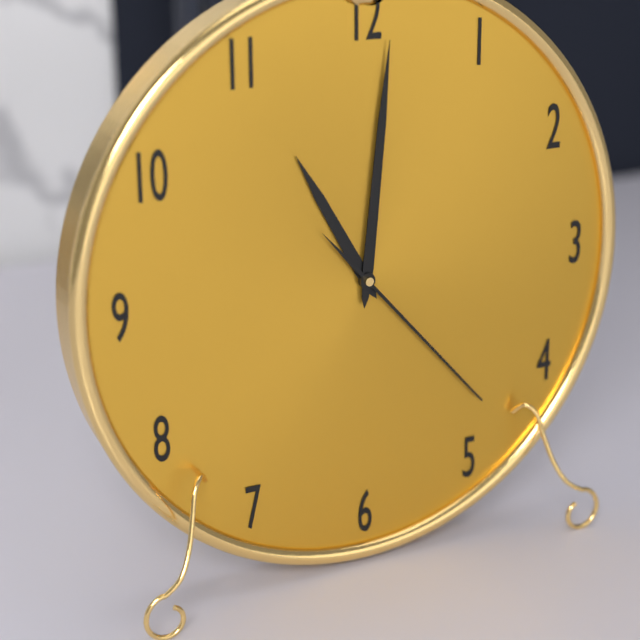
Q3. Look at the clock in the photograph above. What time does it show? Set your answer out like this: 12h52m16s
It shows 11h01m23s
